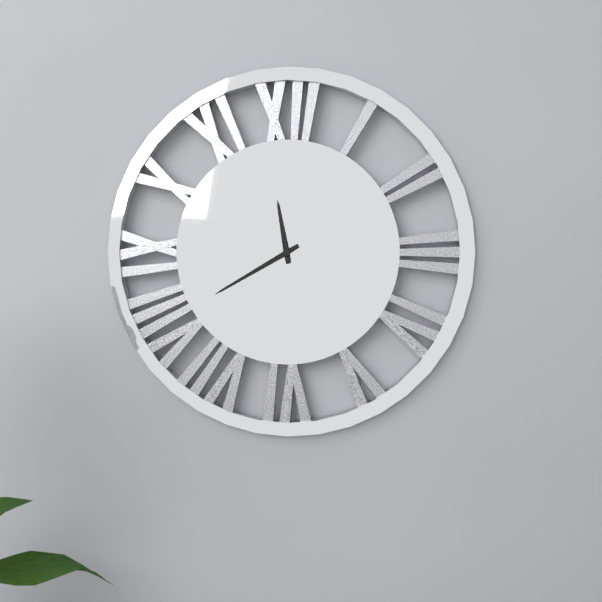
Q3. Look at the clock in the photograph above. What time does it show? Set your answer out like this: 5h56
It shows 11h40
